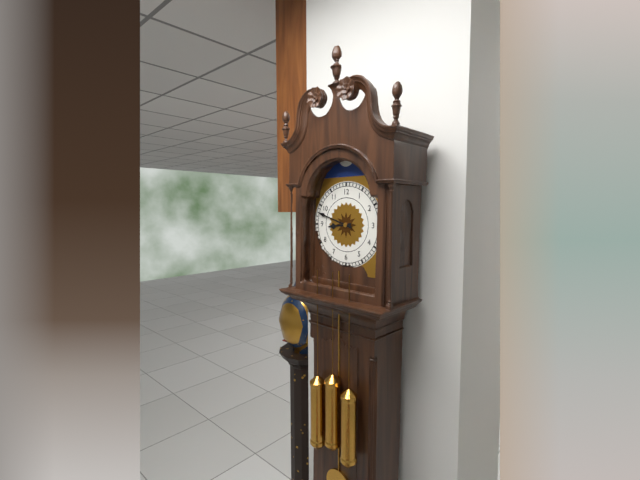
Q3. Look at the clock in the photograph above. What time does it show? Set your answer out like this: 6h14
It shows 8h48
